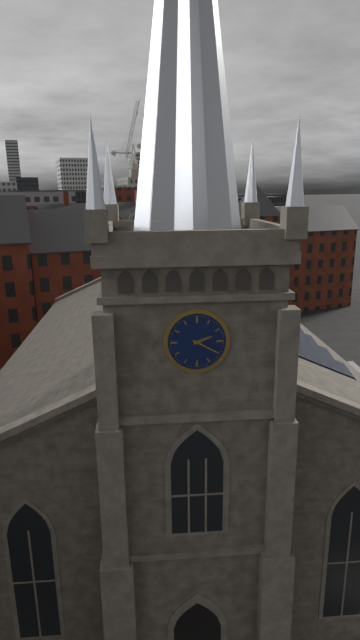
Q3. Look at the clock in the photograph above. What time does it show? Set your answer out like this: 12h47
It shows 2h20
